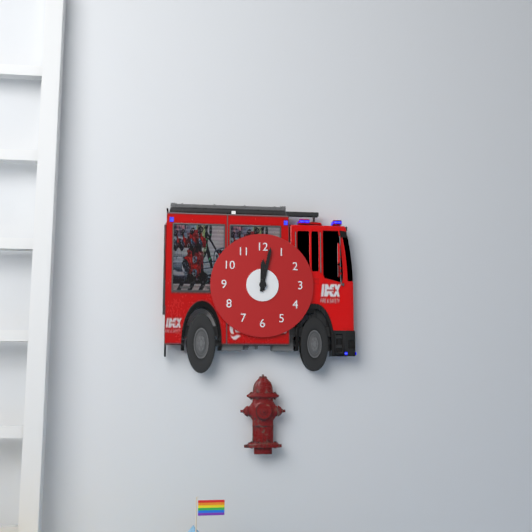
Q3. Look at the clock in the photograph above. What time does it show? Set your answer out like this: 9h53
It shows 12h02
